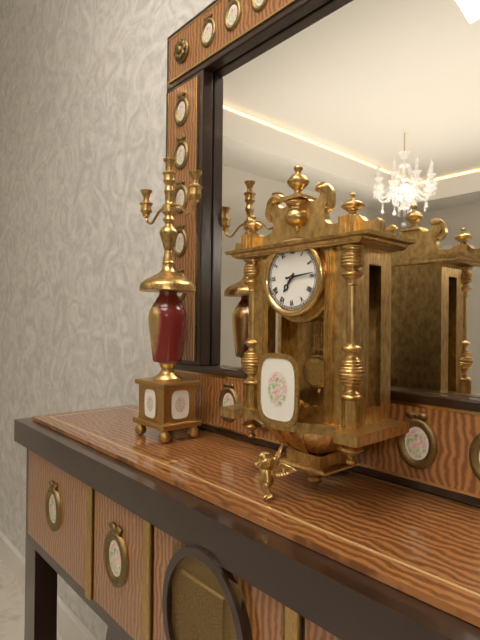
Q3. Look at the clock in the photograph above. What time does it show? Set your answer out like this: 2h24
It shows 7h14
